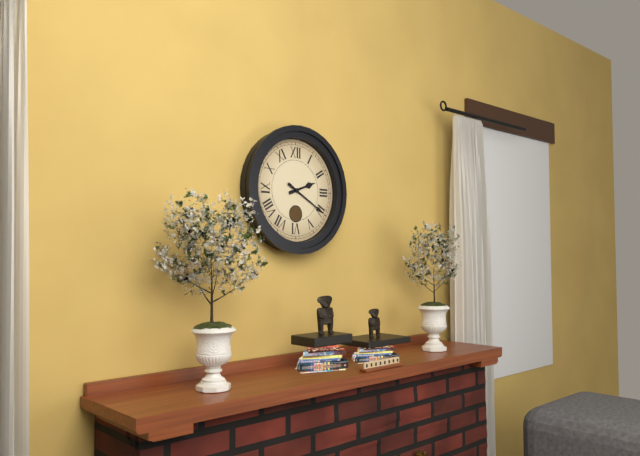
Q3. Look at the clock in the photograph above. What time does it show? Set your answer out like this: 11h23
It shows 2h20
